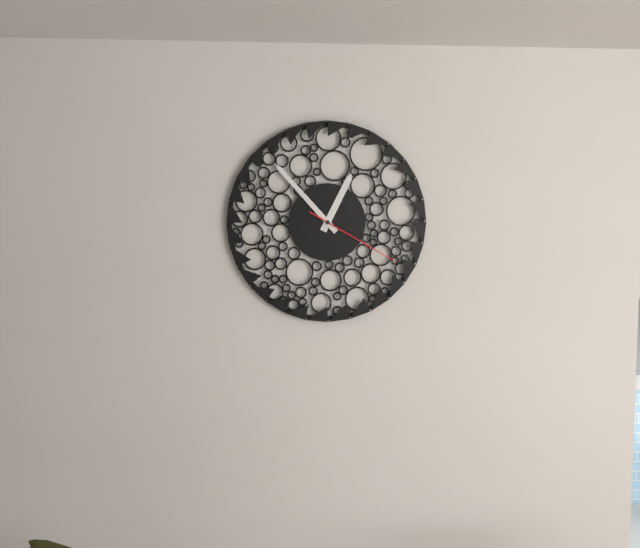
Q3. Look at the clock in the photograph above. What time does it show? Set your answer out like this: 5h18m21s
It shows 12h53m20s
